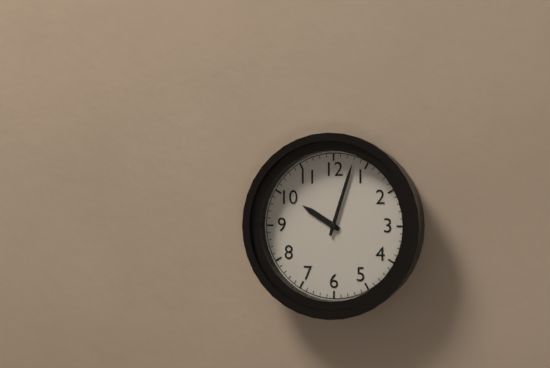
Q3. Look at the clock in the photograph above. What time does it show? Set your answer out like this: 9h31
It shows 10h03
